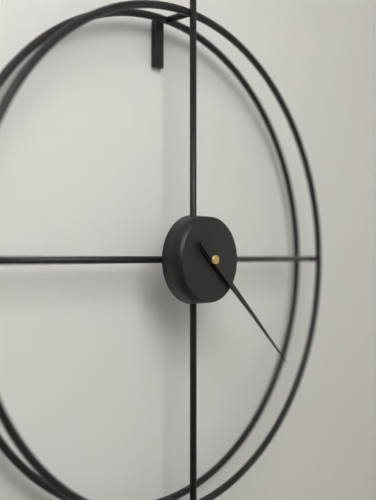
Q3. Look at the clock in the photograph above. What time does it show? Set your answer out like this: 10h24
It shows 4h22
